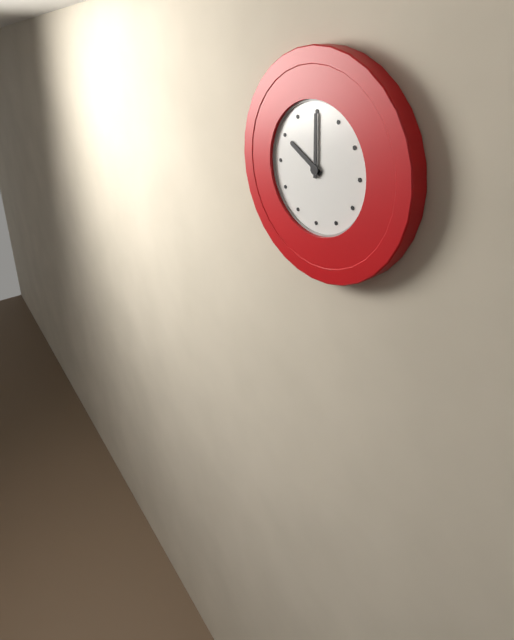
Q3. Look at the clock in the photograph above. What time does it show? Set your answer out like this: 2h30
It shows 10h00
